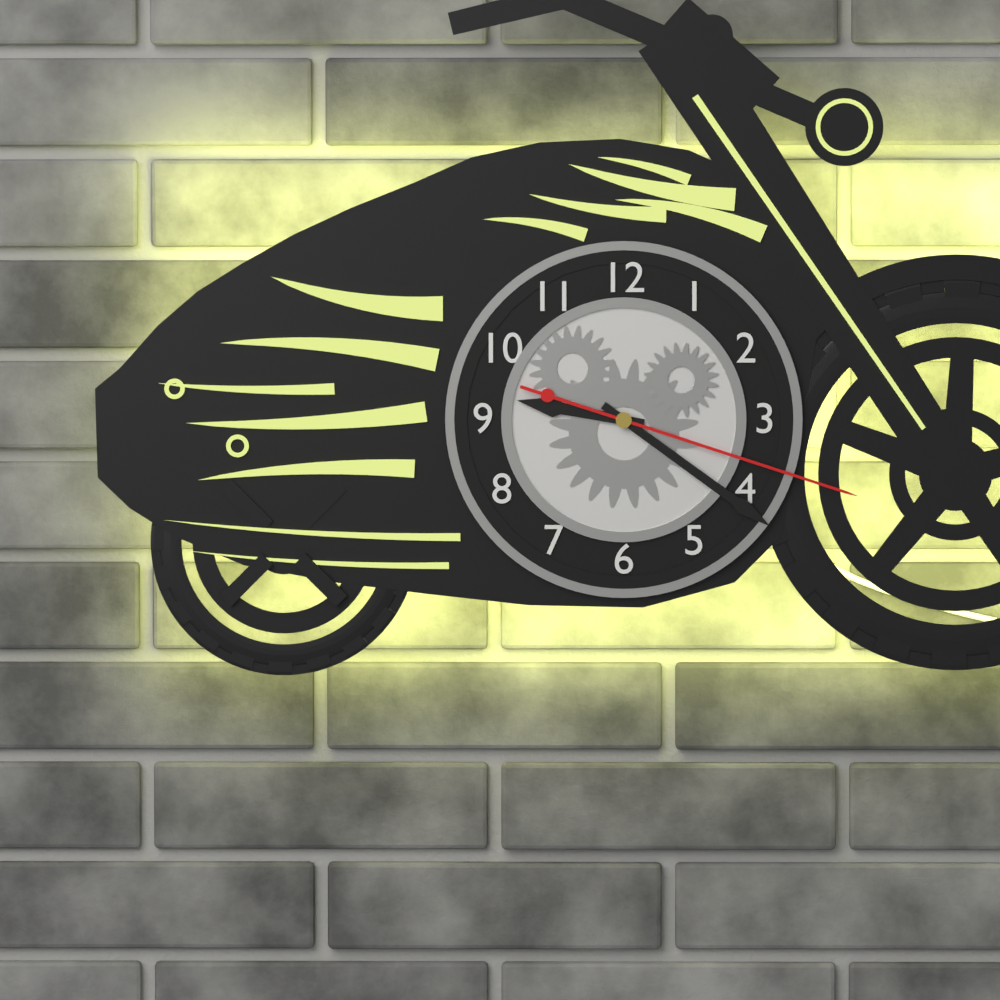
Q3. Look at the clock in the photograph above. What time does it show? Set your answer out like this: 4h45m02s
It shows 9h21m18s
